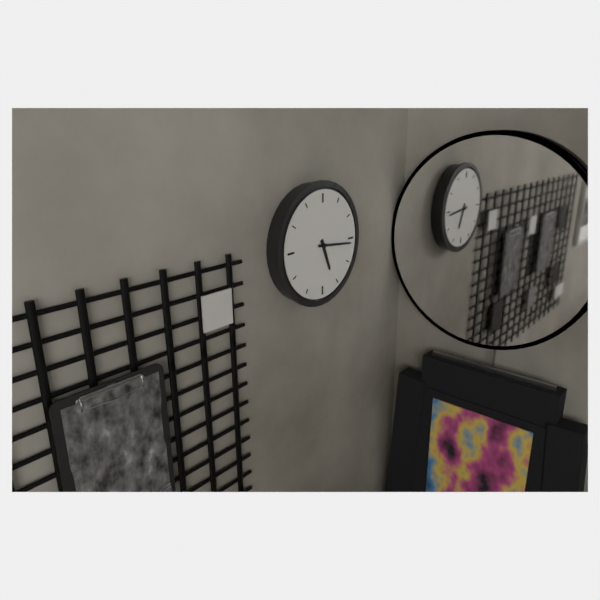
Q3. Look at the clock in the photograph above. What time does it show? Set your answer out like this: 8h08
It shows 5h16
